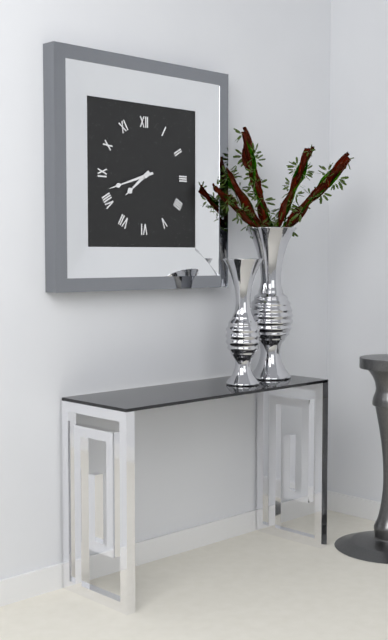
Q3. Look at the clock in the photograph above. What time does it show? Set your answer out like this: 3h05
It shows 7h42
